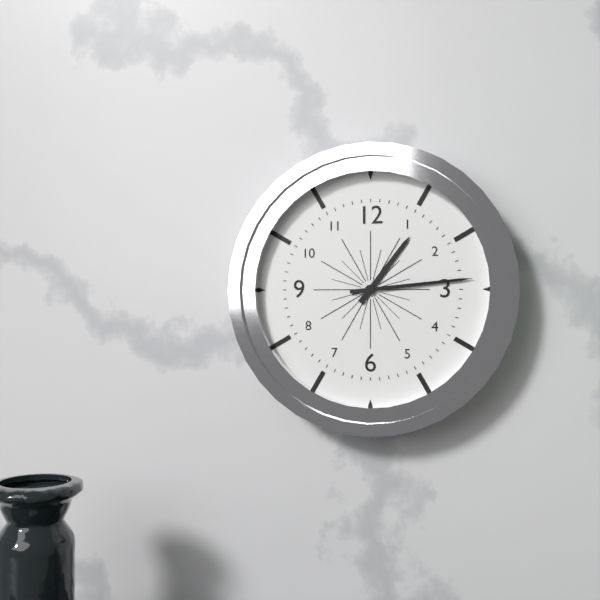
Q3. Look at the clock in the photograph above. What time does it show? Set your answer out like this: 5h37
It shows 1h14
